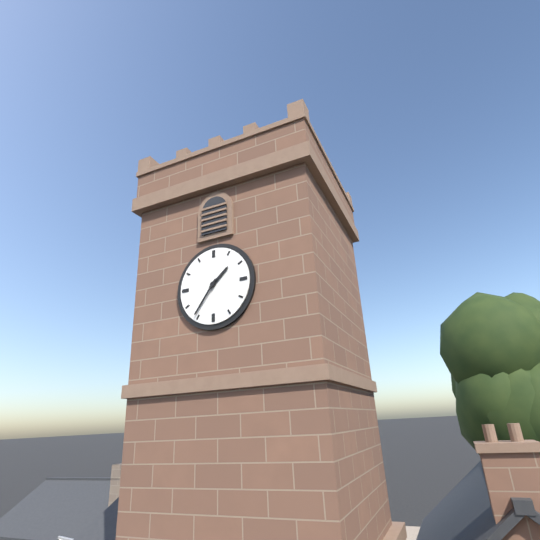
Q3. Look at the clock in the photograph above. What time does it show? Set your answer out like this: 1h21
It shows 1h36
